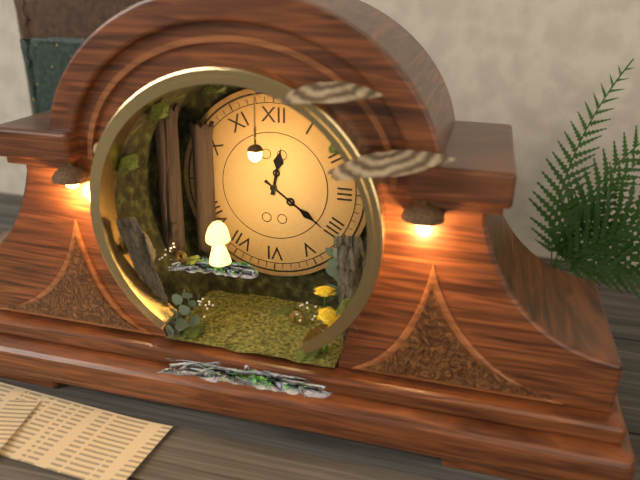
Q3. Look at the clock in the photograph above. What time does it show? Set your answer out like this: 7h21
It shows 12h21
